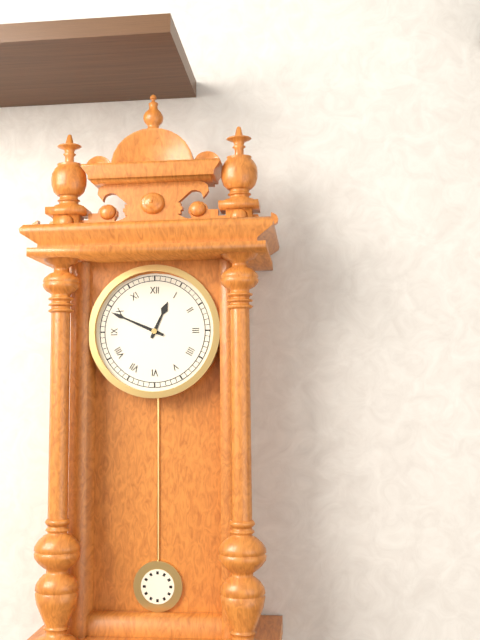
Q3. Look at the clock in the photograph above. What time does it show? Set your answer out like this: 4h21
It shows 12h49
